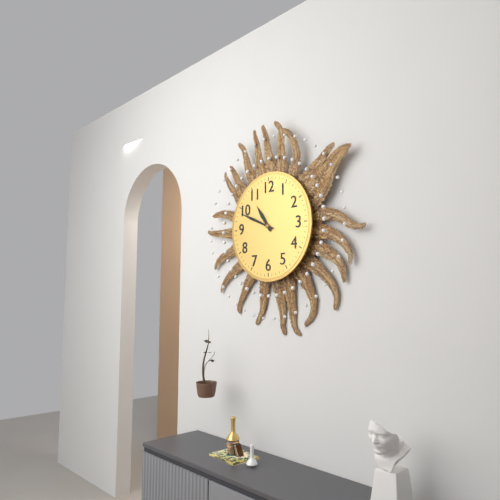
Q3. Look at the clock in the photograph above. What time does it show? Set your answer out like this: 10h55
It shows 10h49
